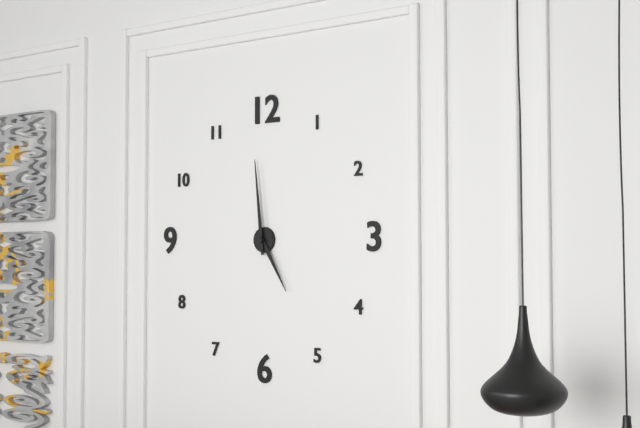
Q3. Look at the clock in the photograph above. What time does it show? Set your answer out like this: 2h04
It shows 4h59
